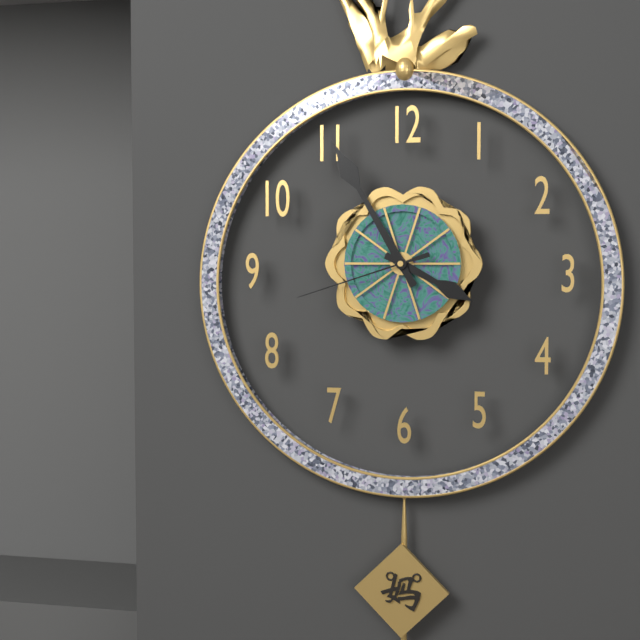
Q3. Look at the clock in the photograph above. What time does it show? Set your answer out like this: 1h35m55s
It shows 3h55m42s
